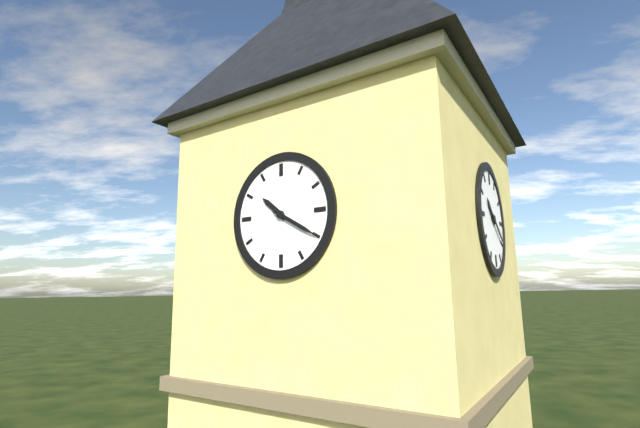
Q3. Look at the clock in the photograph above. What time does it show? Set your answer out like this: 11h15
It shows 10h20
